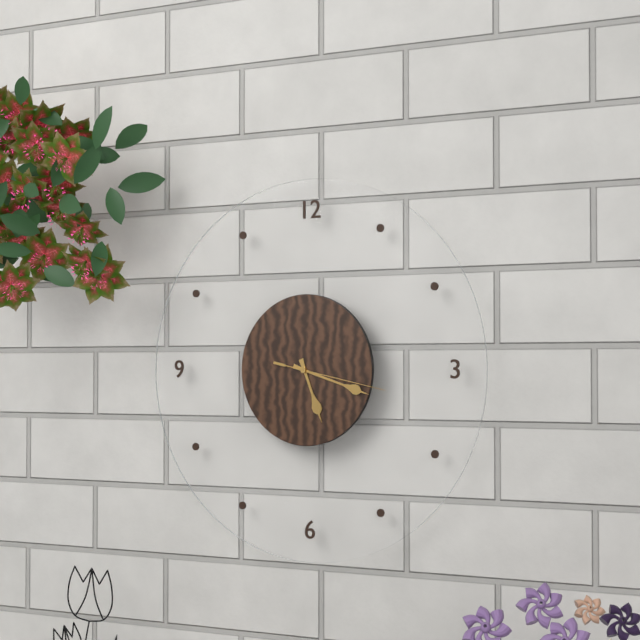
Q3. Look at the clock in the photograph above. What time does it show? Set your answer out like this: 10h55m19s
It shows 5h18m17s
